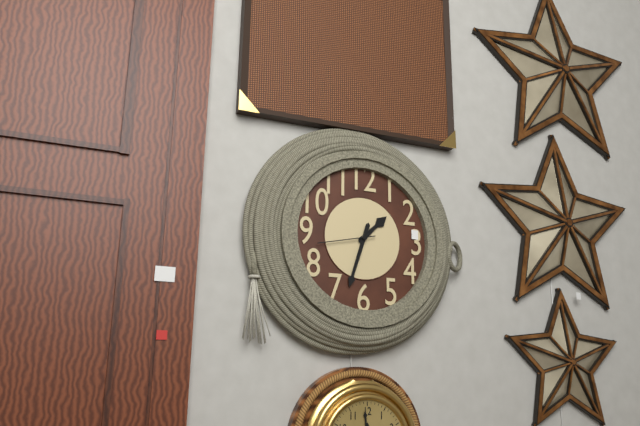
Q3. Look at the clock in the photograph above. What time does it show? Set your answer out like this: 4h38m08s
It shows 1h33m43s
